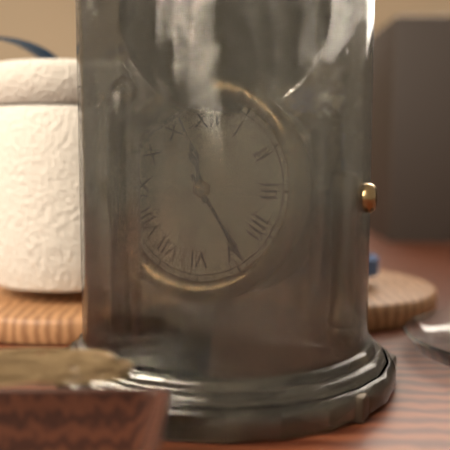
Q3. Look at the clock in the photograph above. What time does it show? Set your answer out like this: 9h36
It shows 11h24
